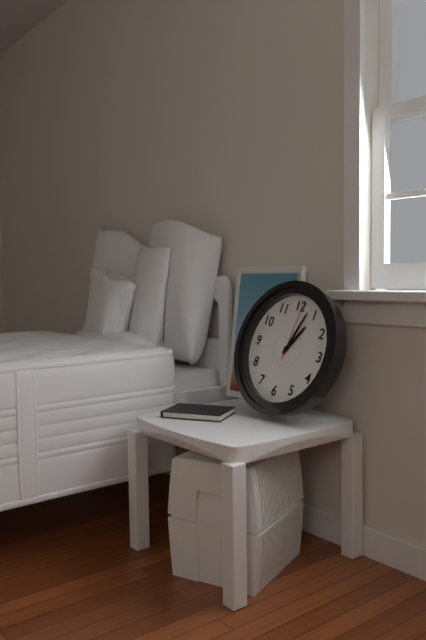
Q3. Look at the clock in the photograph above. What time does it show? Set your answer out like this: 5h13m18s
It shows 1h03m01s
